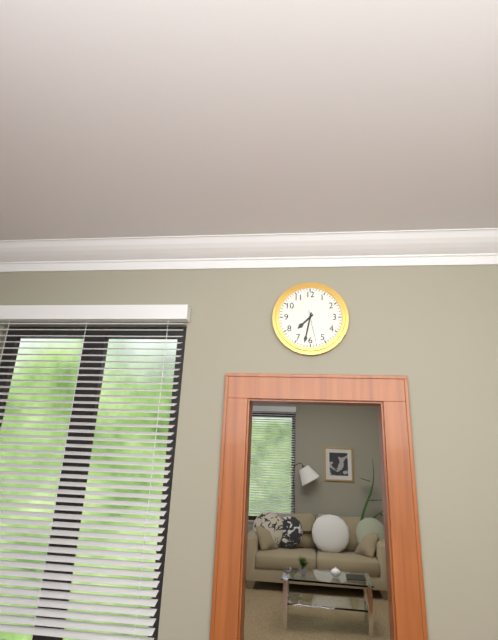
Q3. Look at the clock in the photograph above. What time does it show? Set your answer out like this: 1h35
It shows 7h32
